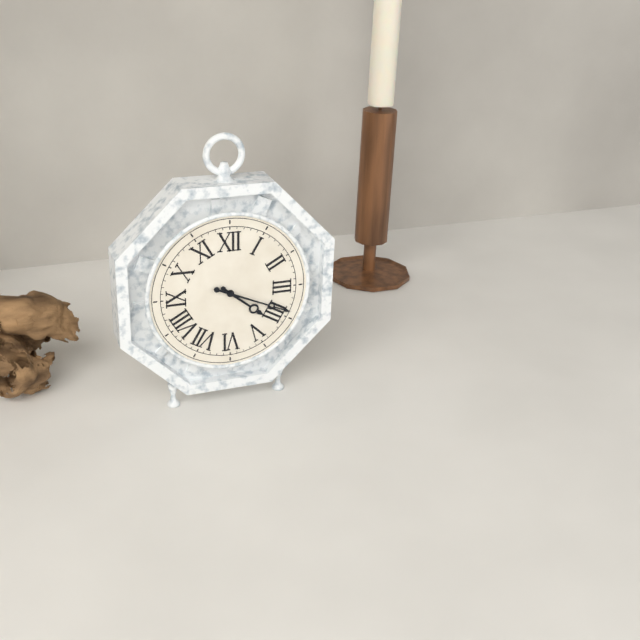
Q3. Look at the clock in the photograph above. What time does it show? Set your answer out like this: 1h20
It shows 4h19
